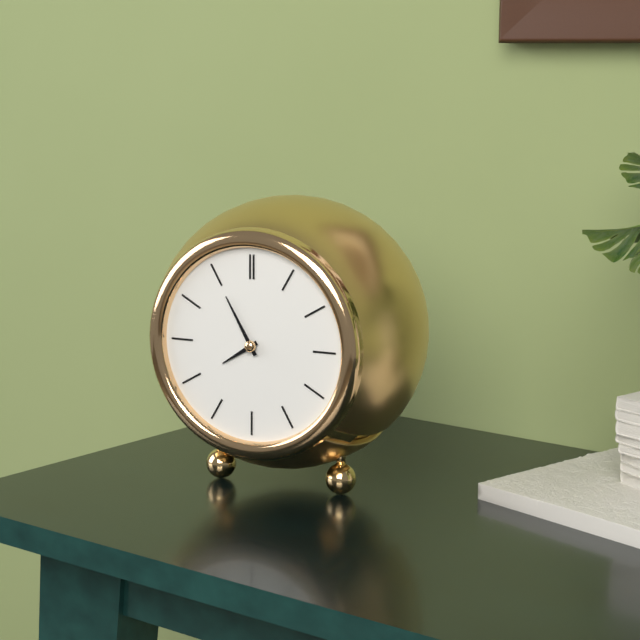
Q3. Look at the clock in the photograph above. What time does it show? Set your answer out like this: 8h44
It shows 7h55
